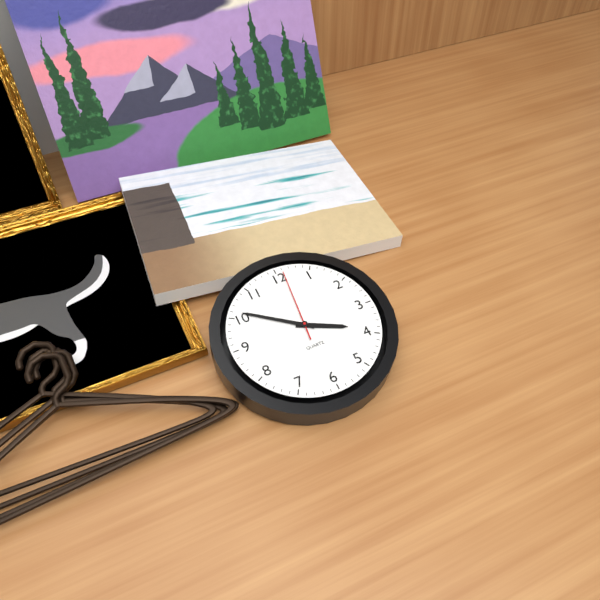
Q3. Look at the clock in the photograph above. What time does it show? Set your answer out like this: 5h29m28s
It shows 3h51m01s
